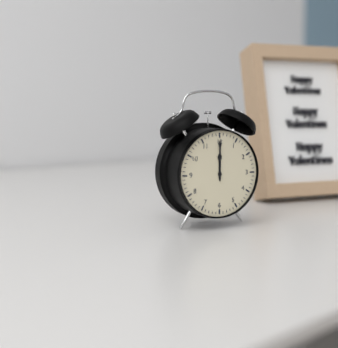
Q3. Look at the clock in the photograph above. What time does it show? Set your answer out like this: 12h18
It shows 12h00
